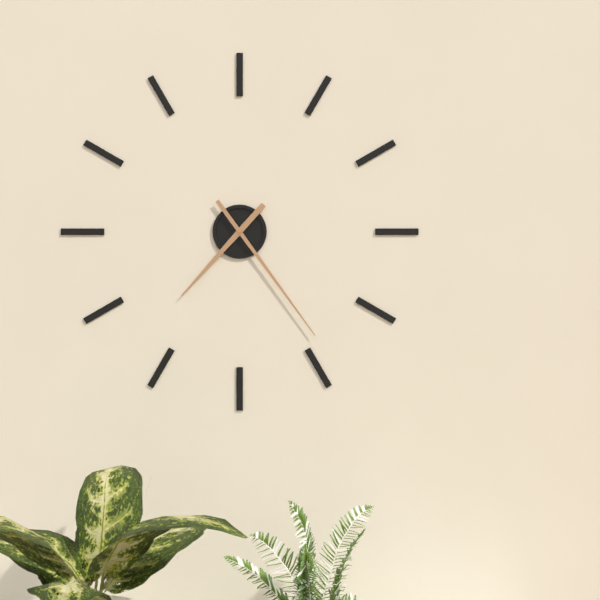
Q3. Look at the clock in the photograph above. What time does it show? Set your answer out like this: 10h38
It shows 7h24
